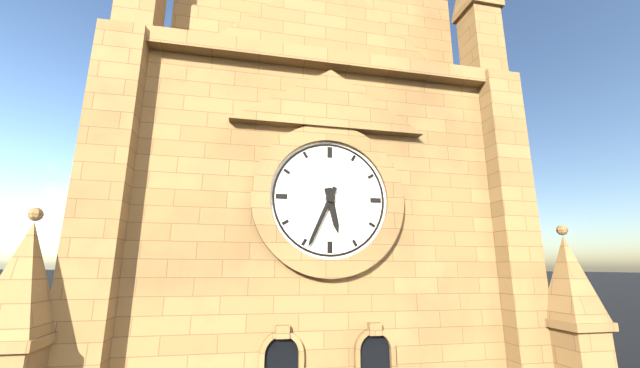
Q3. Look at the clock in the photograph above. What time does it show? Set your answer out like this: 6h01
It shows 5h34
